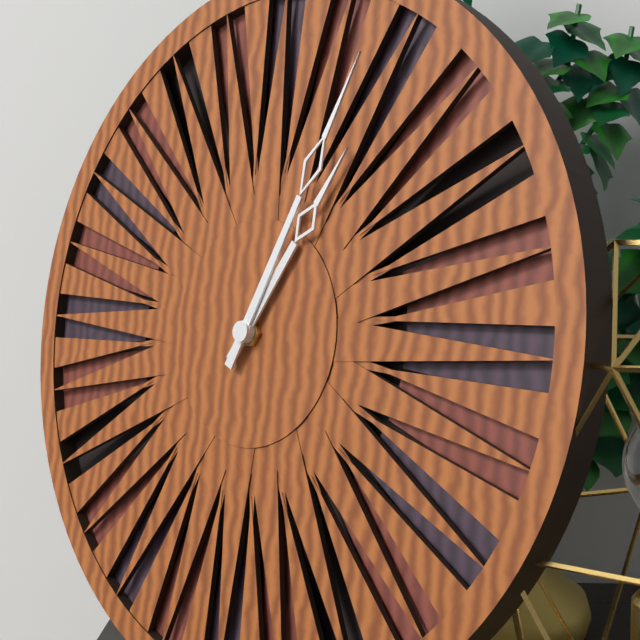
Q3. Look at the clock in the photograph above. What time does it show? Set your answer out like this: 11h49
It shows 1h04
